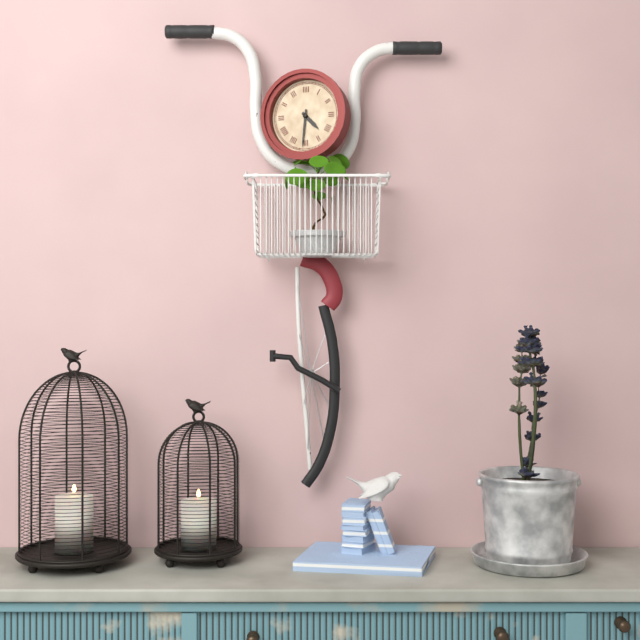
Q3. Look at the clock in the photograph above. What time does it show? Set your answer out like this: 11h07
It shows 4h31
